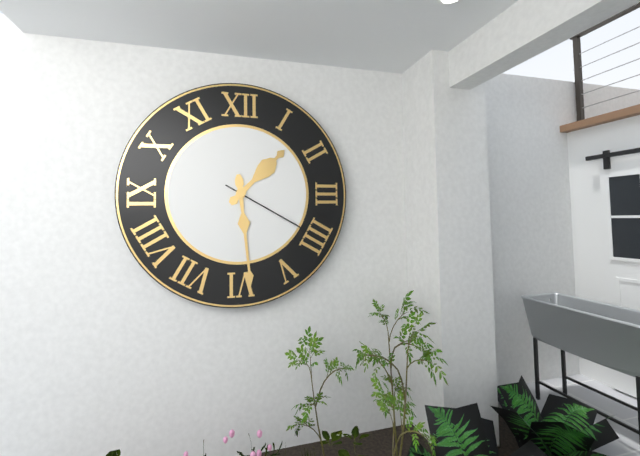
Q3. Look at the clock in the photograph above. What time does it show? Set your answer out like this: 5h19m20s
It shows 1h29m20s
